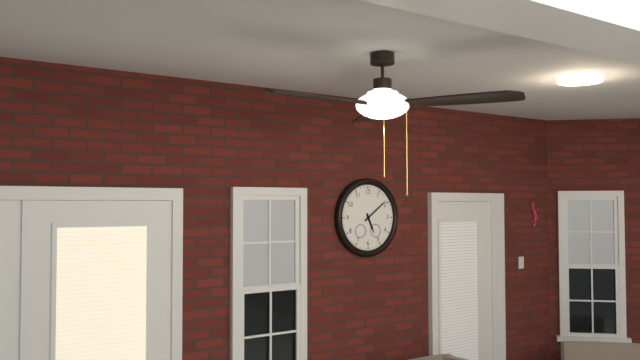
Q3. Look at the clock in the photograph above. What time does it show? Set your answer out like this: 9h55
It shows 5h09
